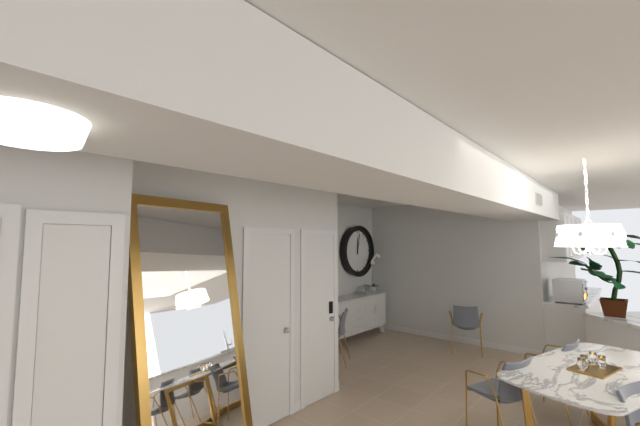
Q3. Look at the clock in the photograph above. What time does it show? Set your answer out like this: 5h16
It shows 12h02
